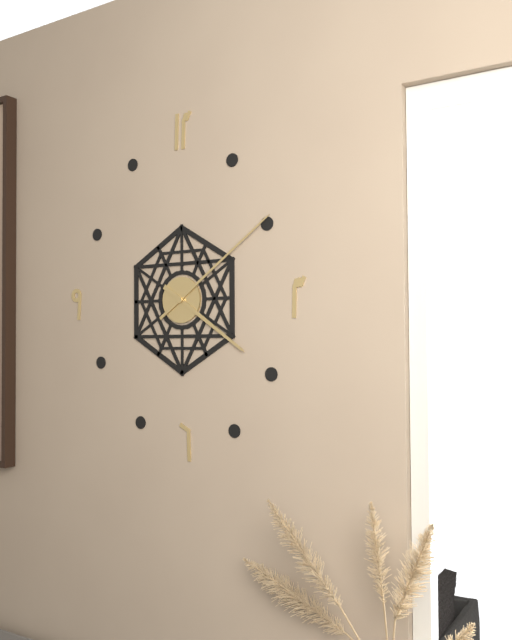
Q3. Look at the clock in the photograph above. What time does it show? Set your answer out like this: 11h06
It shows 4h09
